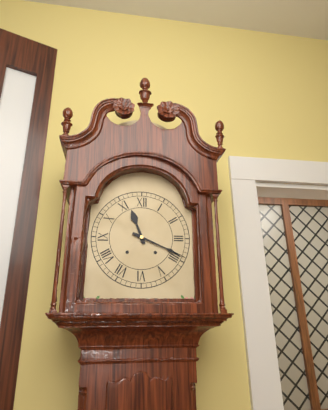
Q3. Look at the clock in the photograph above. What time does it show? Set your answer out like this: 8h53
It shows 11h19
